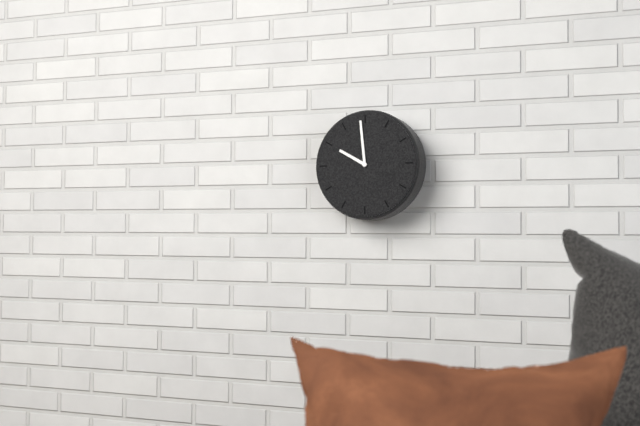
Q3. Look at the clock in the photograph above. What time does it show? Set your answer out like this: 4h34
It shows 9h59
